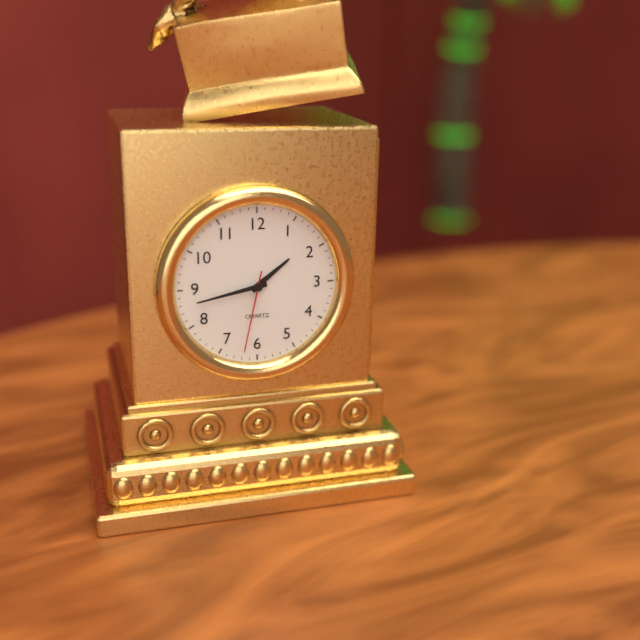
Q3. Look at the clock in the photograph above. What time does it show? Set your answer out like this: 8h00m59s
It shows 1h43m32s
